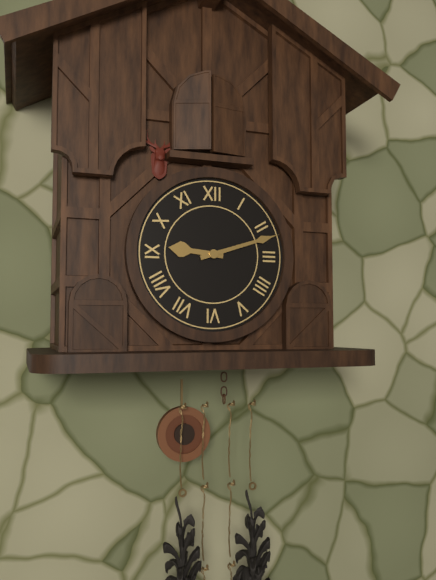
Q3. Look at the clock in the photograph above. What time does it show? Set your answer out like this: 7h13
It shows 9h12
